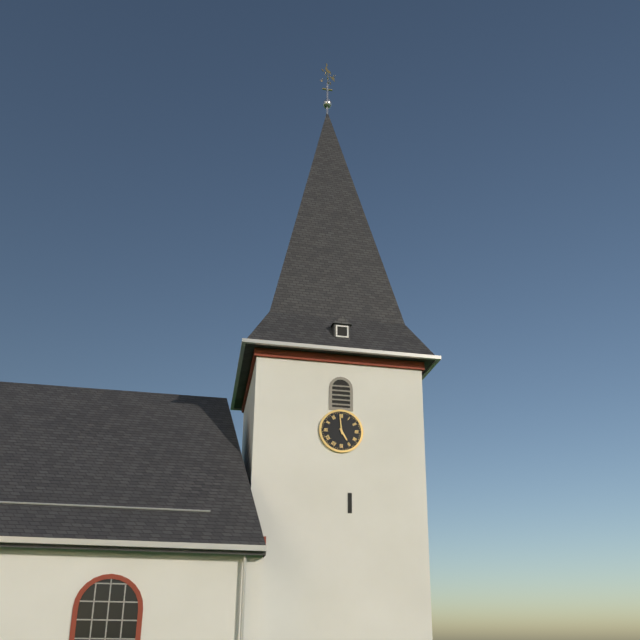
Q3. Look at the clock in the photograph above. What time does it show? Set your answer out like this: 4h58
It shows 4h59
